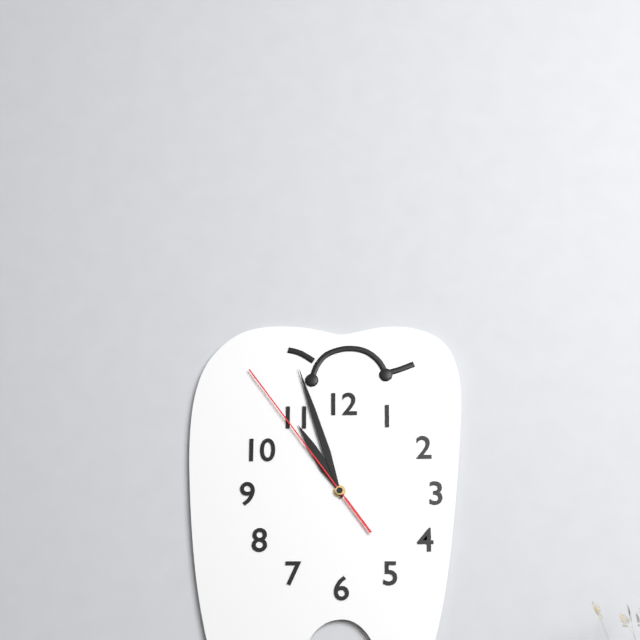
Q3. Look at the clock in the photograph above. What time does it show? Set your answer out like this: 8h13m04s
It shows 10h57m54s
